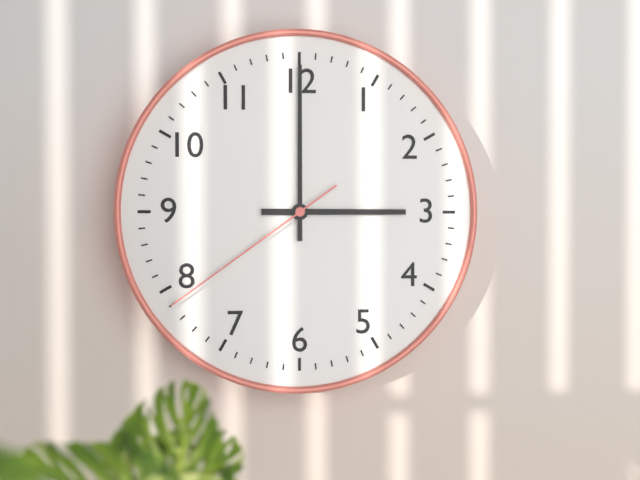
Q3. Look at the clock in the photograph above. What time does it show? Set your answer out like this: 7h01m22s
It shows 3h00m39s
